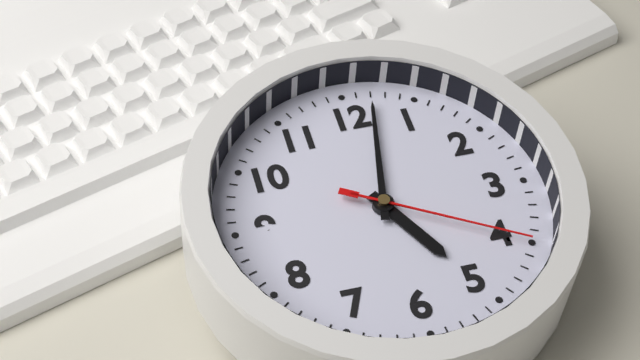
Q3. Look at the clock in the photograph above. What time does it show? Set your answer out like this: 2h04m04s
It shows 5h02m20s
